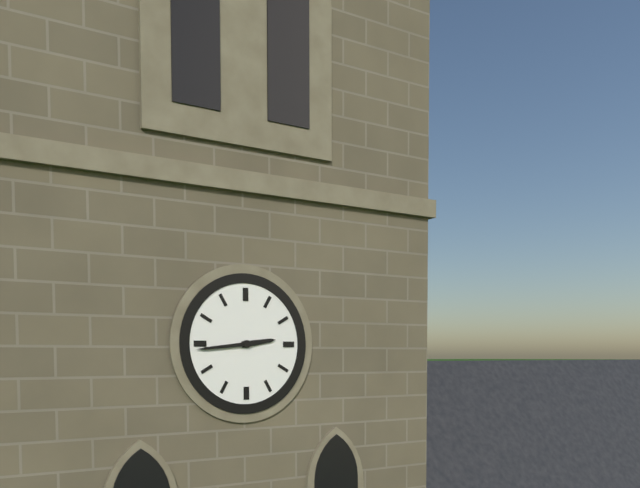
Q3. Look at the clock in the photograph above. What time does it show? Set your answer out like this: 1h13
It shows 2h44
